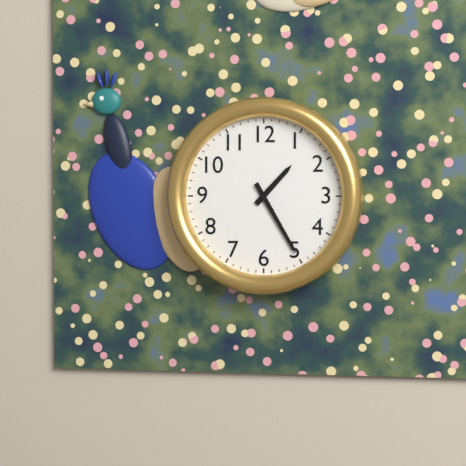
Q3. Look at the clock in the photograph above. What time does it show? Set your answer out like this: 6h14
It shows 1h25
